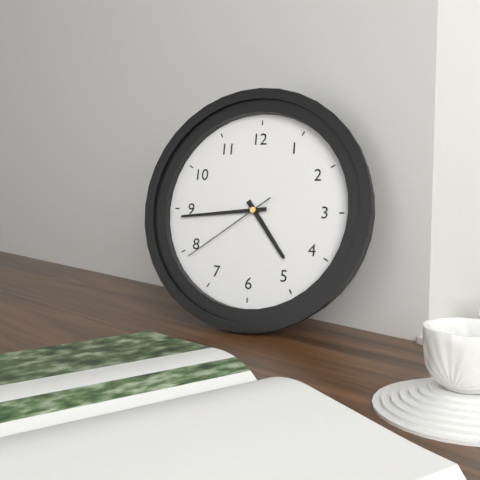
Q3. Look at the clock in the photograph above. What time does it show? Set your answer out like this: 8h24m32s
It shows 4h44m39s
